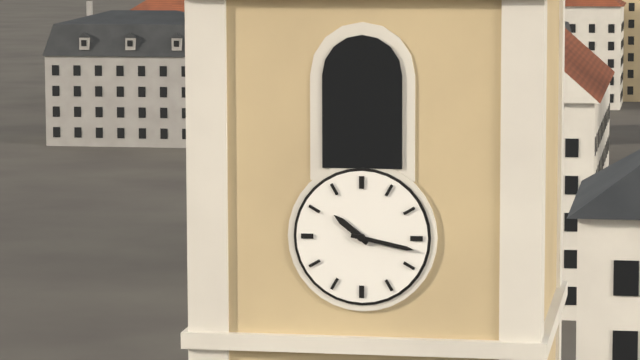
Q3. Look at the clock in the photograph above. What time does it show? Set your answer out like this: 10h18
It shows 10h17
